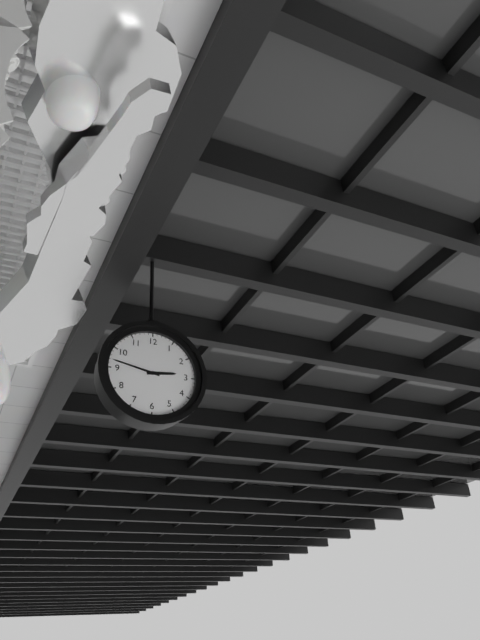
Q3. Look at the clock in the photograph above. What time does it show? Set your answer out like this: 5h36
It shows 2h47
